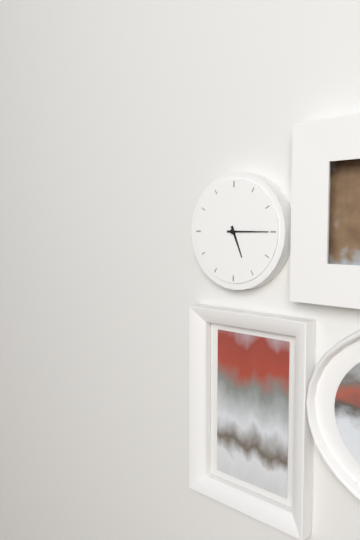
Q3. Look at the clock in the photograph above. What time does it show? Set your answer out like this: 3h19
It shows 5h15
